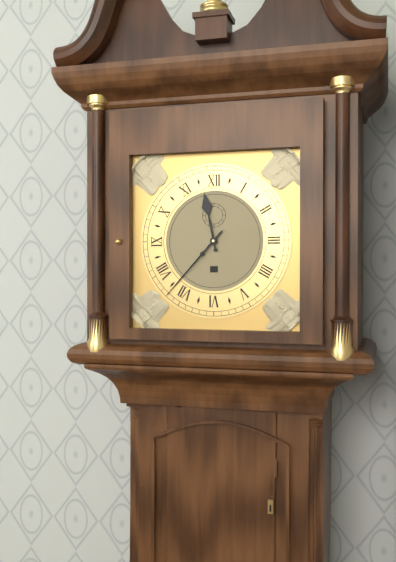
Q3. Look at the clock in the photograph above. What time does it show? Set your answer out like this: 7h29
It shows 11h37
